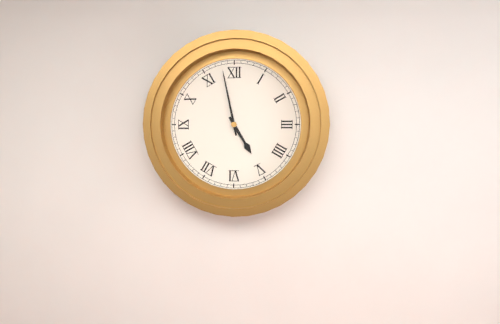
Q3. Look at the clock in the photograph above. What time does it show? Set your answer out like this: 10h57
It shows 4h58
